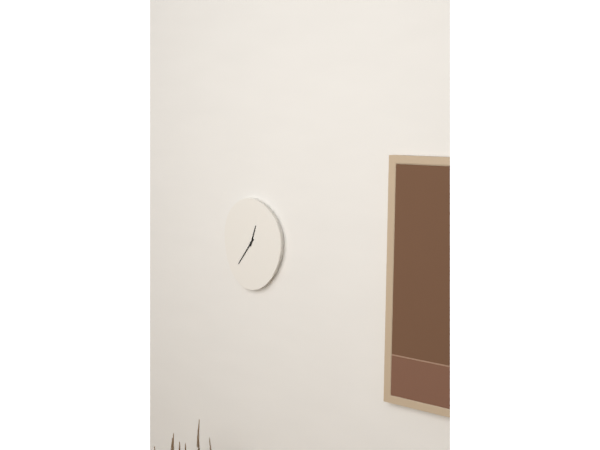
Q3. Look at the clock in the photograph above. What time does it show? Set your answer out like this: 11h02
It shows 12h36
